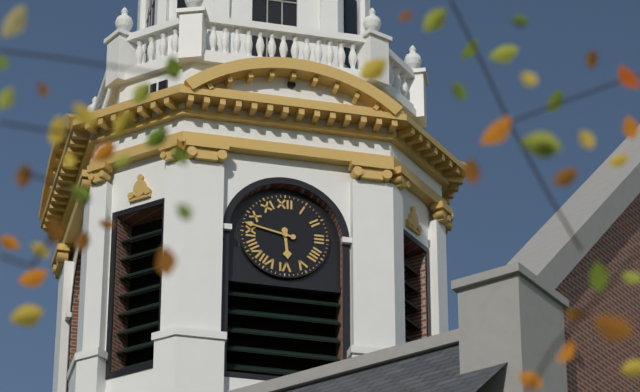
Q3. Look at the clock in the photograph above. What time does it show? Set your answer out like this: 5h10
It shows 5h47
